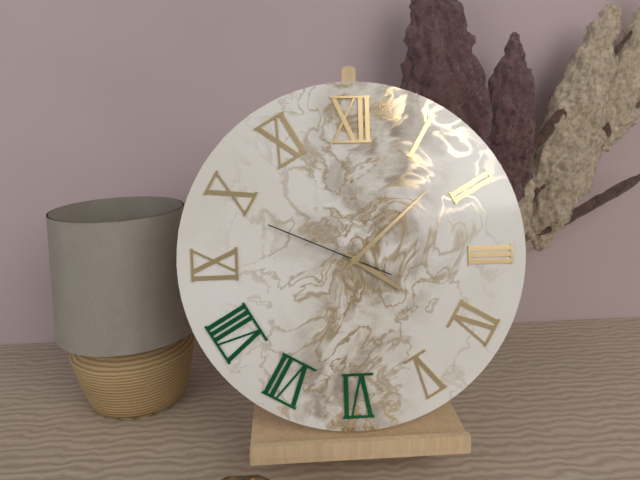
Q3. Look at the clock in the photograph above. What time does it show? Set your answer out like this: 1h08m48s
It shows 4h08m49s
